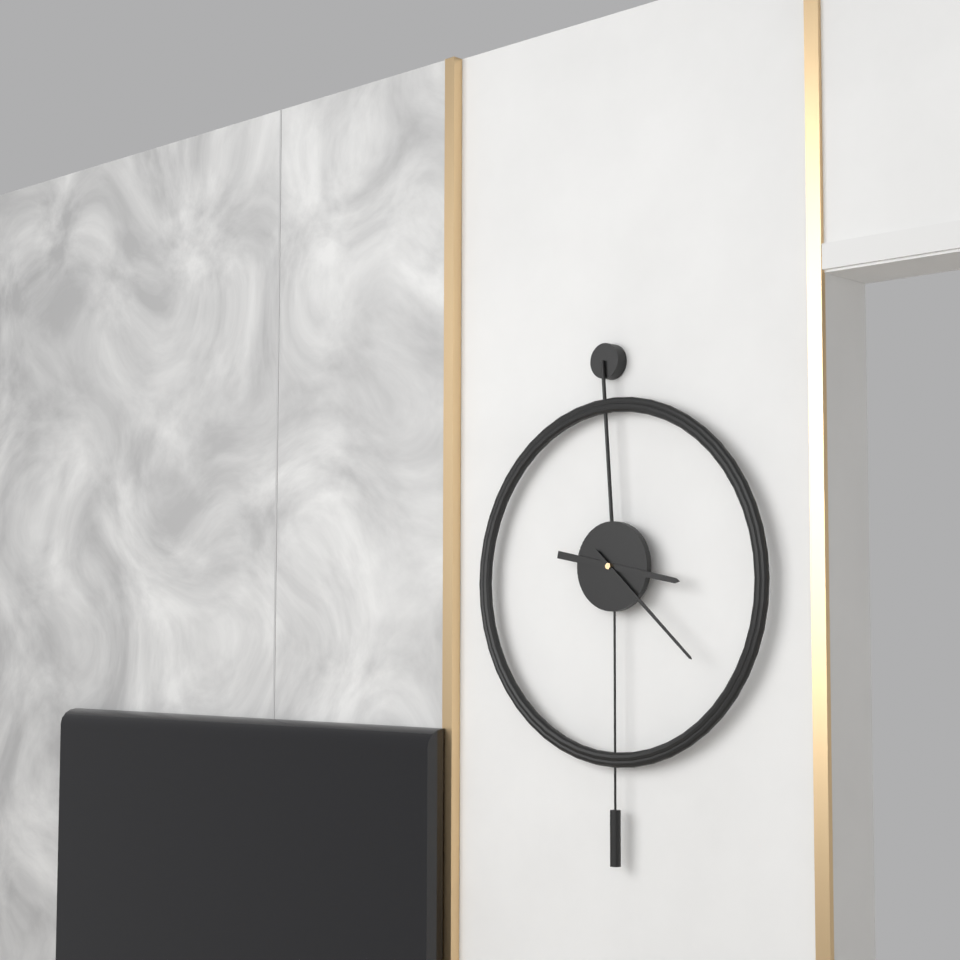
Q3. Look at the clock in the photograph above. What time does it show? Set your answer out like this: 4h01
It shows 3h22
